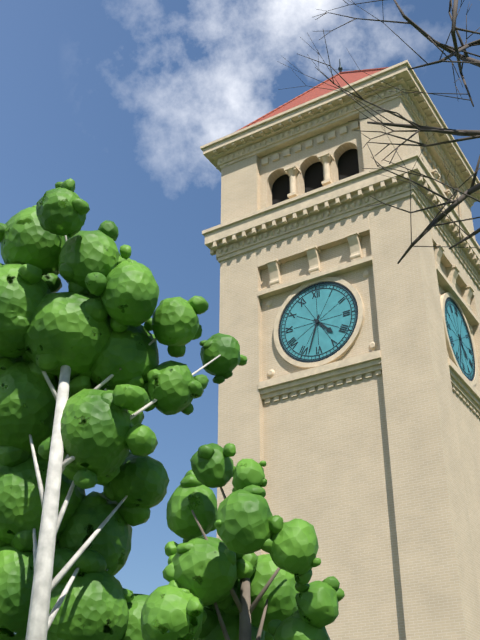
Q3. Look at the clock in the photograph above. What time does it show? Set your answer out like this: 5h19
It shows 4h33
